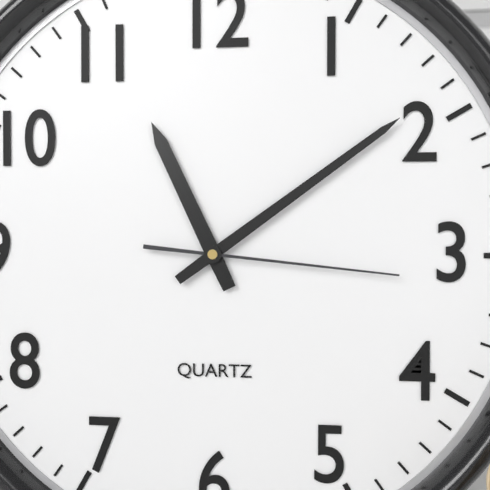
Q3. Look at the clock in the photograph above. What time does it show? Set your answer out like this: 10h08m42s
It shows 11h09m16s
